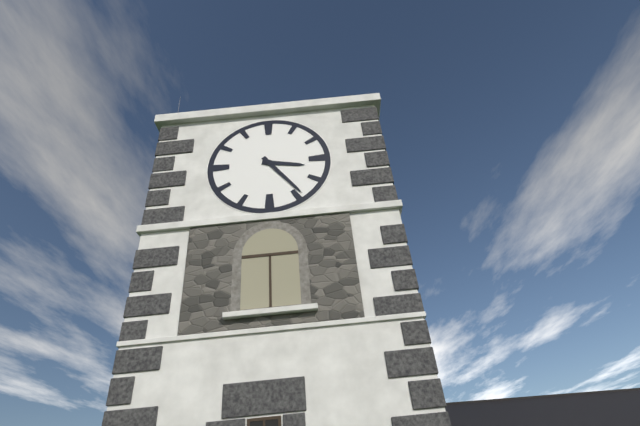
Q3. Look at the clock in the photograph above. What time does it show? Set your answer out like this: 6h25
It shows 3h24
